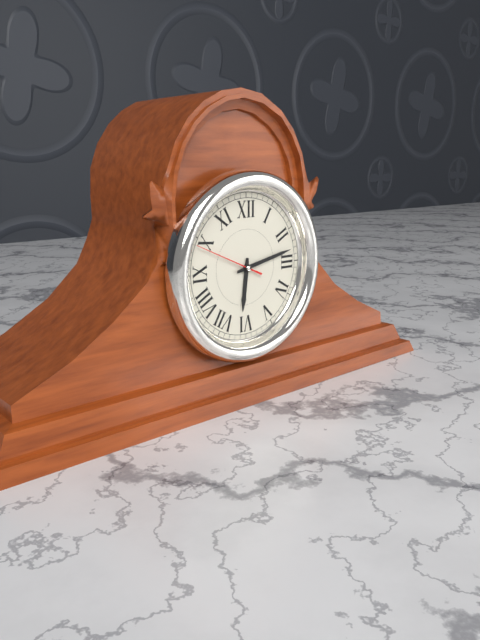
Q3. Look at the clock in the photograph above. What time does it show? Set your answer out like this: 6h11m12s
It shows 6h13m49s
